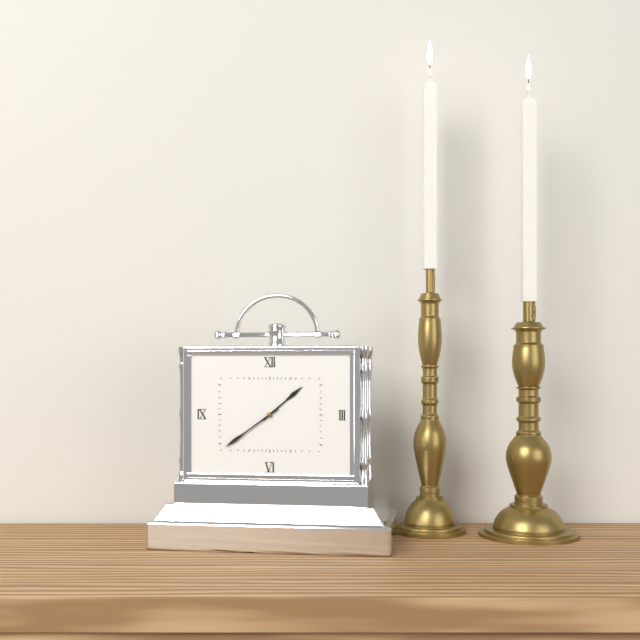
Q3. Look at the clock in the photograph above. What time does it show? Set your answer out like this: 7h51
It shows 1h39
